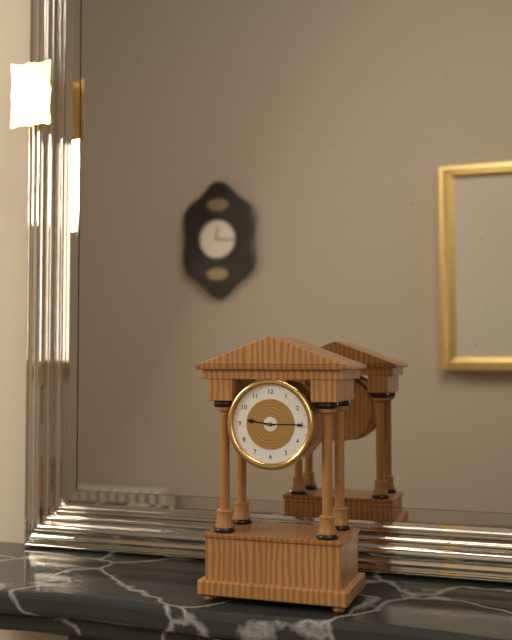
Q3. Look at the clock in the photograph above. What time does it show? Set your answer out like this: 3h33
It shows 9h15
